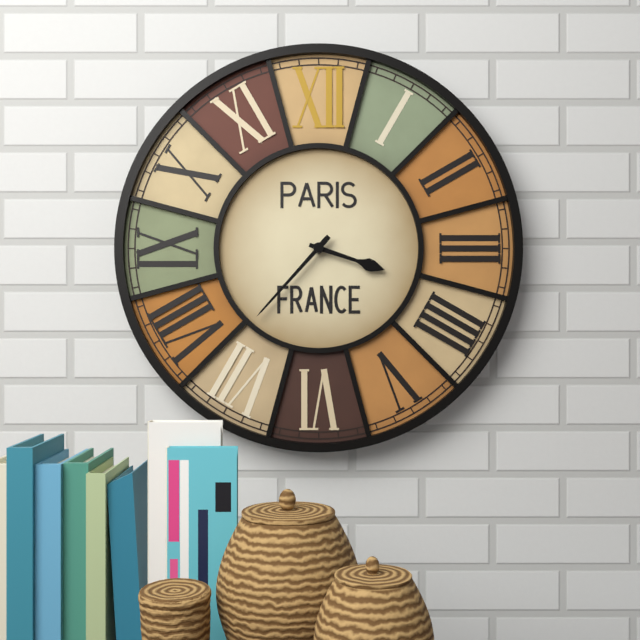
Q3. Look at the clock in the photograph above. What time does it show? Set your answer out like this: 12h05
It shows 3h37
